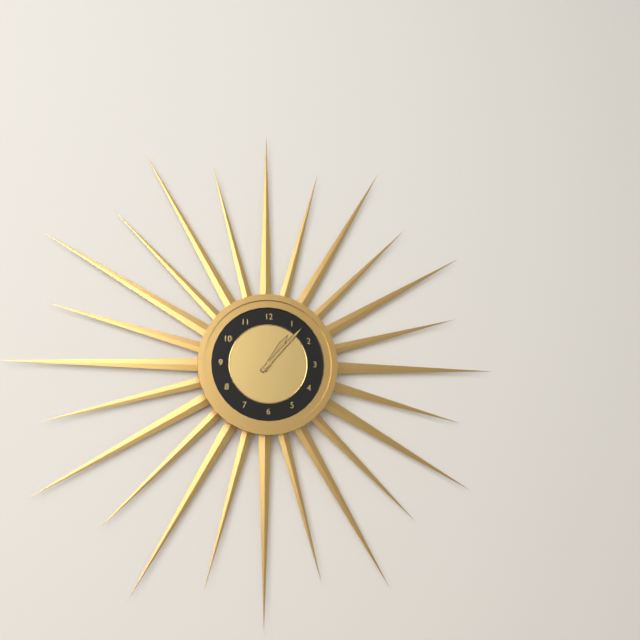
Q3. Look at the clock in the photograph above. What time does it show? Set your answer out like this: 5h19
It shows 1h07
